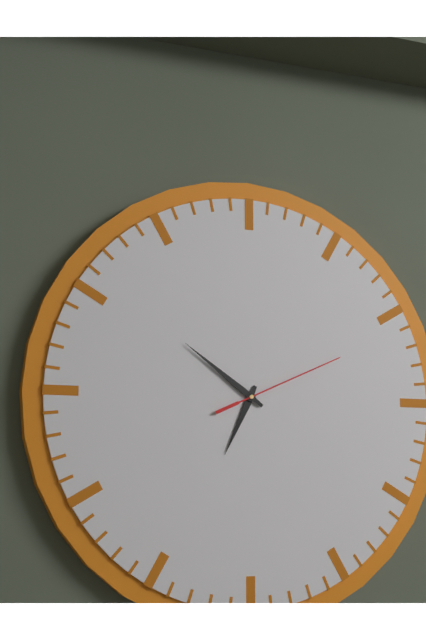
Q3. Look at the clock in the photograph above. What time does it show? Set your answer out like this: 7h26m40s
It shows 6h51m11s
